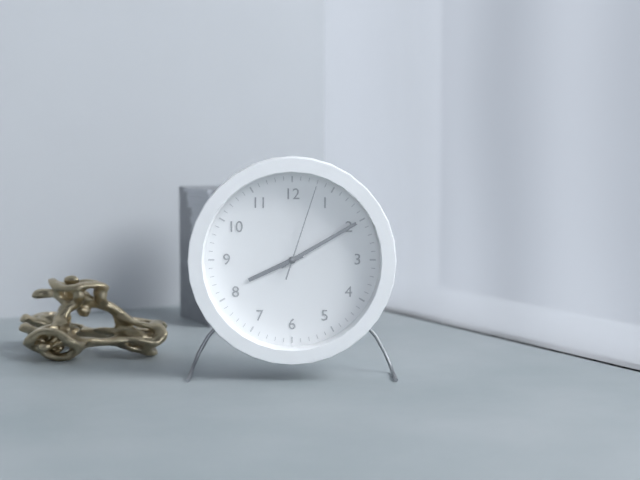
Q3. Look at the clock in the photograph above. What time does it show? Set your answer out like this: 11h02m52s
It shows 8h10m03s
